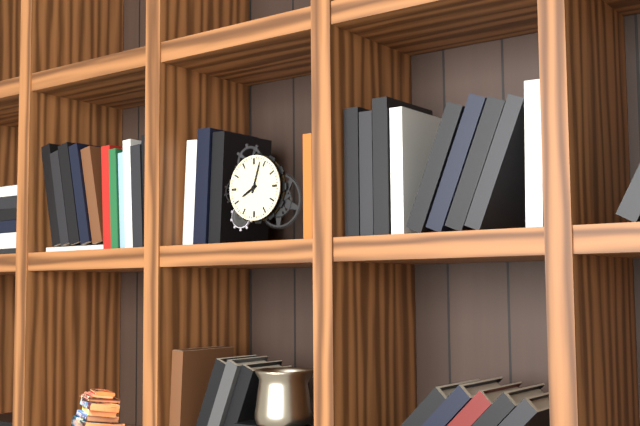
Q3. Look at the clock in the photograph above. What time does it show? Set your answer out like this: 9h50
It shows 8h03
